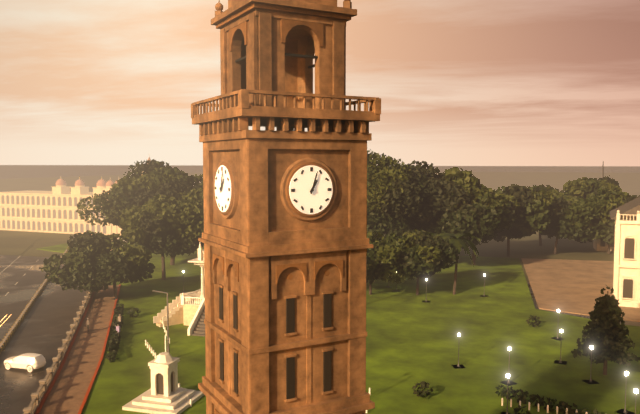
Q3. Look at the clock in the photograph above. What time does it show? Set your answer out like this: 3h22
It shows 1h03
